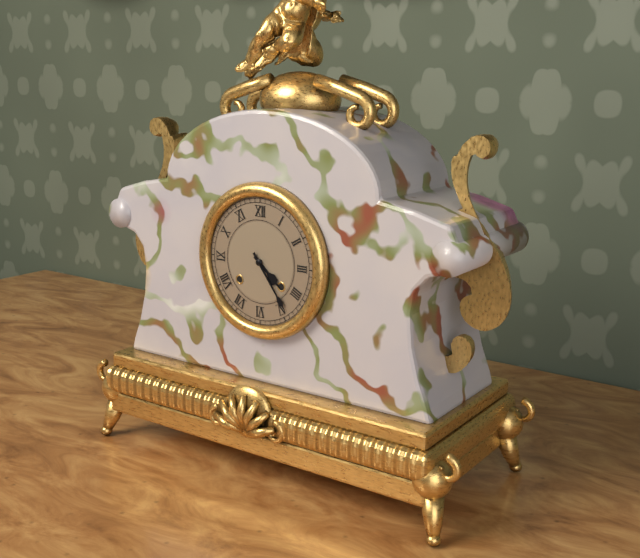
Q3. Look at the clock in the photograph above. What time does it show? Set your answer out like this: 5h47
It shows 4h24
